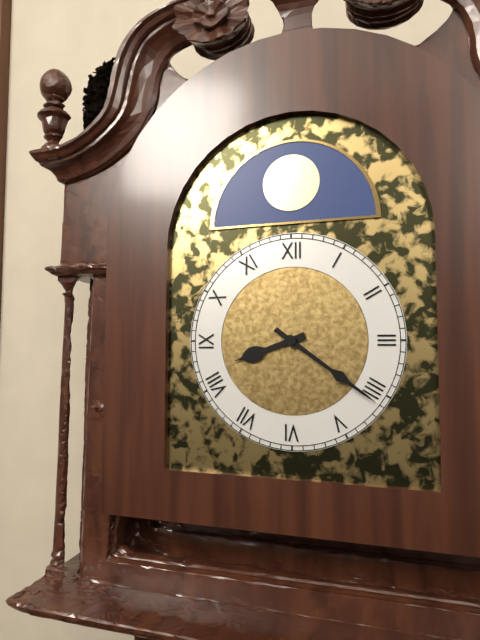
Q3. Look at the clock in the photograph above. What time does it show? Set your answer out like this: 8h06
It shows 8h21
